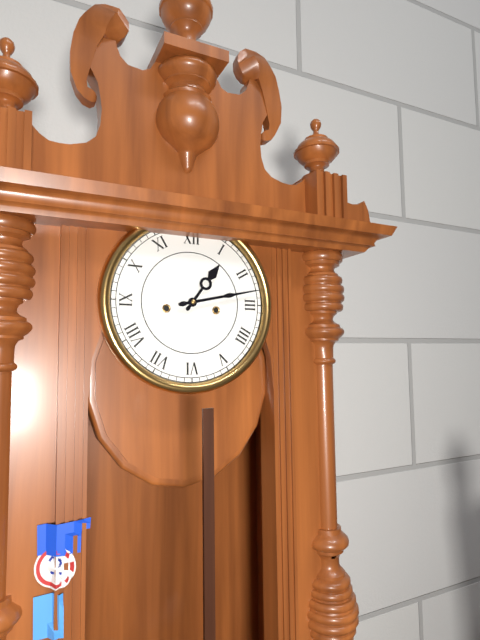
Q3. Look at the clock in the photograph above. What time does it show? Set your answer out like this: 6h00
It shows 1h13
